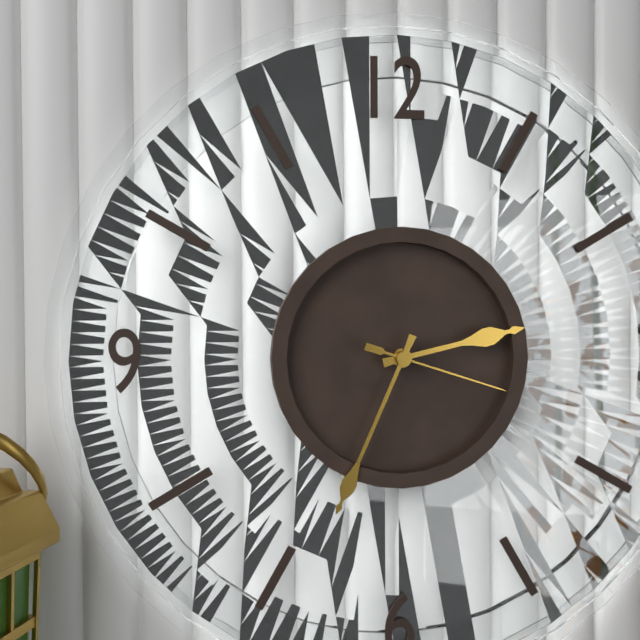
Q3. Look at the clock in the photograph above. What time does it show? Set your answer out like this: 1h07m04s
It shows 2h34m18s
